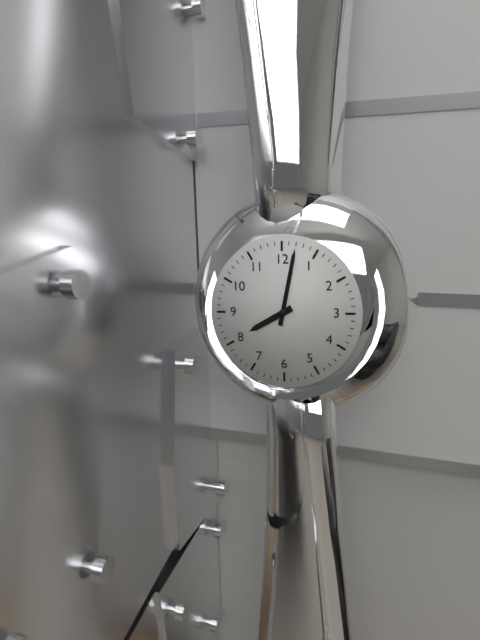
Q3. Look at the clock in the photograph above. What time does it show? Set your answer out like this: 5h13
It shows 8h02
